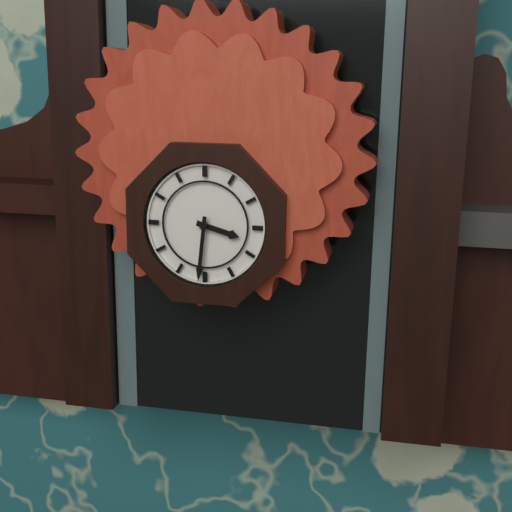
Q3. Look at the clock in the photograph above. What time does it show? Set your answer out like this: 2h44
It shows 3h31
